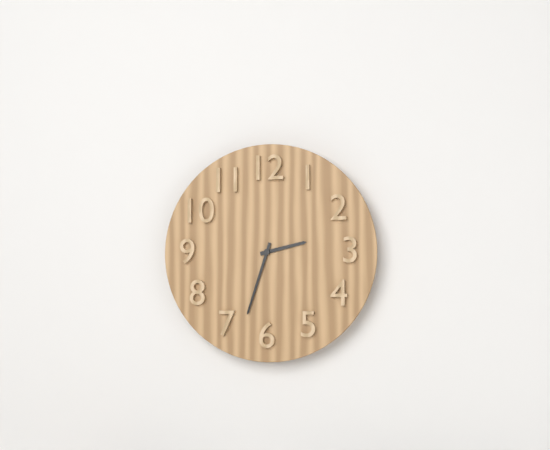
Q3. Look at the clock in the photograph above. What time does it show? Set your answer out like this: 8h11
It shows 2h33
